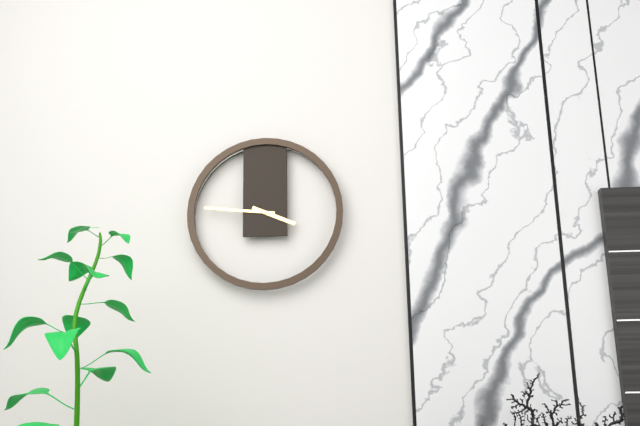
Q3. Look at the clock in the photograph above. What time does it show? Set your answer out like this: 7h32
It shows 3h46
